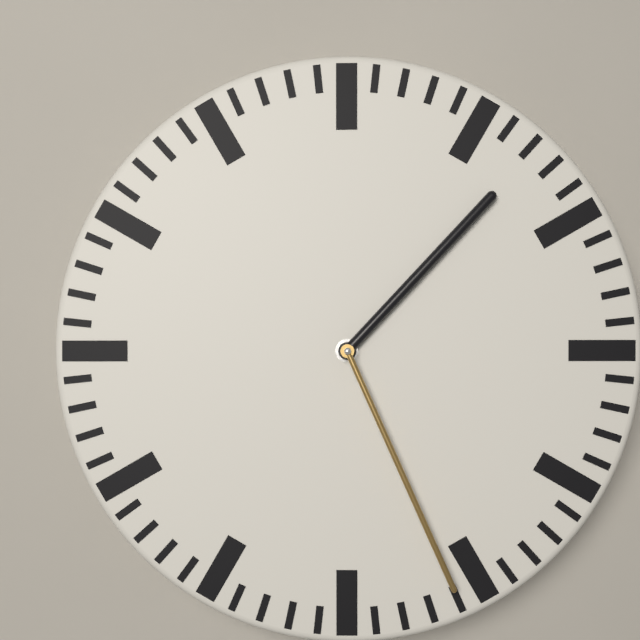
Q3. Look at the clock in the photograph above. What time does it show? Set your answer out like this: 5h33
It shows 1h26
